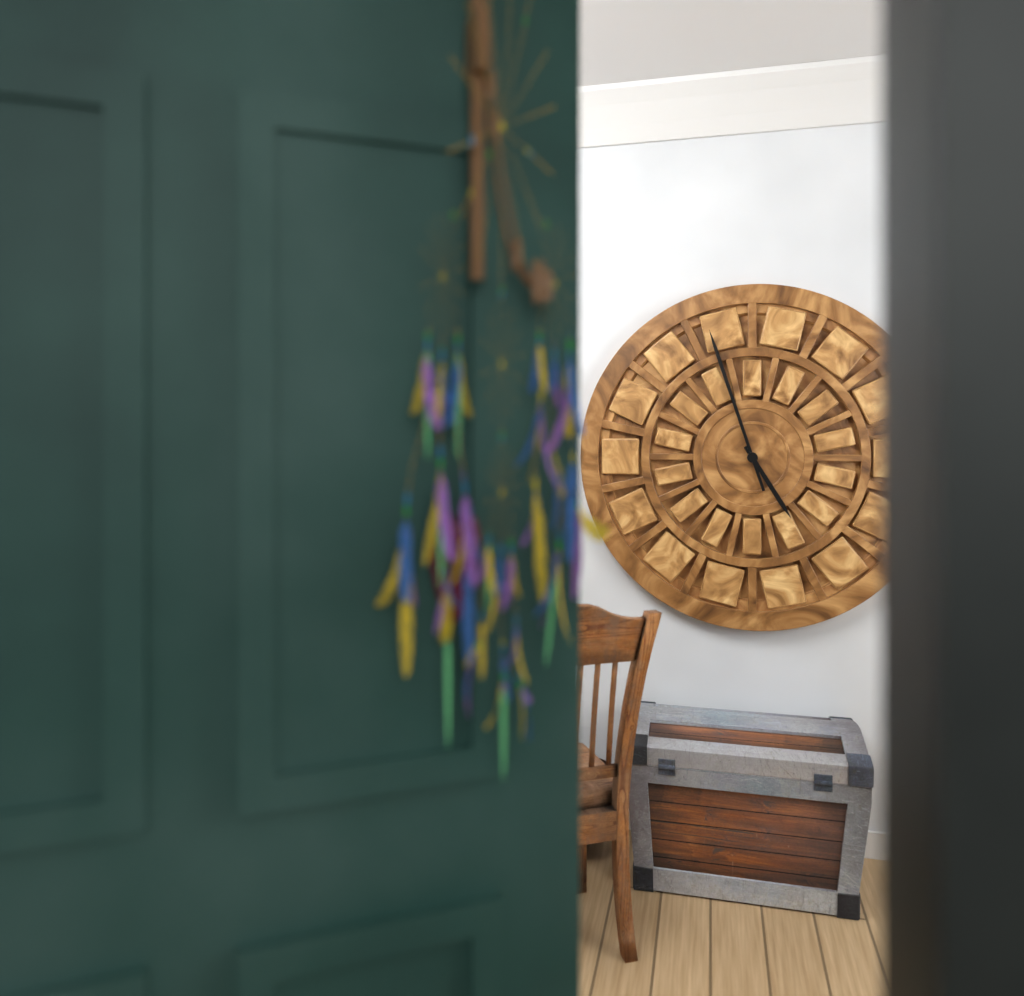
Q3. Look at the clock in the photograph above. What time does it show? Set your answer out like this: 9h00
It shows 4h57
